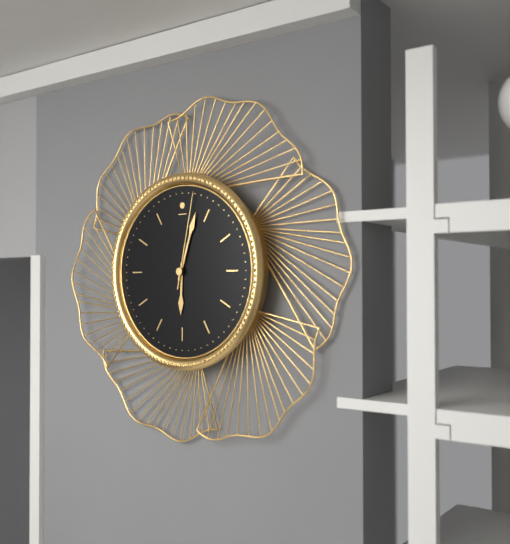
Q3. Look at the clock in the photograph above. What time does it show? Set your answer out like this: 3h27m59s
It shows 6h03m02s
